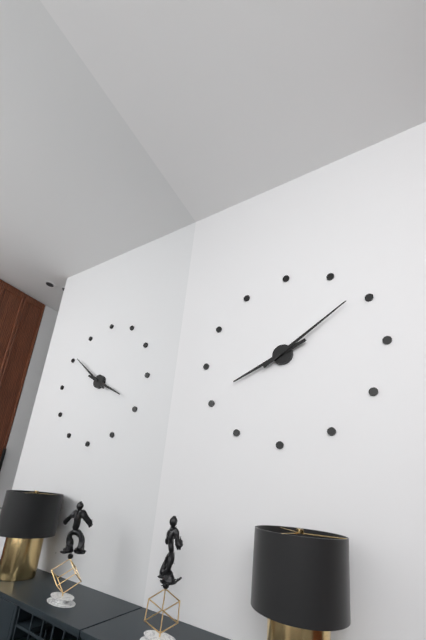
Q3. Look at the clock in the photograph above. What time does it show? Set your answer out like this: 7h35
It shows 8h09
